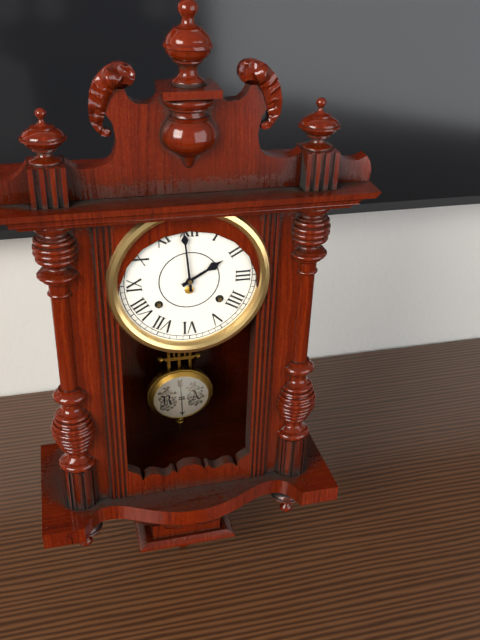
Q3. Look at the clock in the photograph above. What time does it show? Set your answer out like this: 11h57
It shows 1h59
